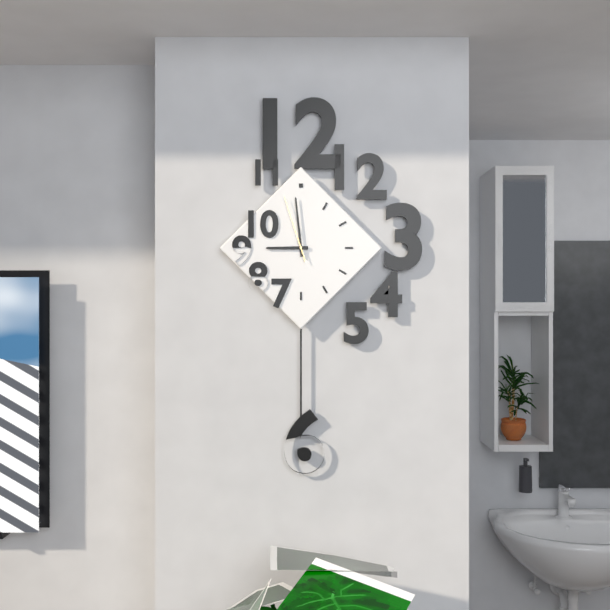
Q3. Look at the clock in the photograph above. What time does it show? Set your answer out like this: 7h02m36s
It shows 8h59m57s
